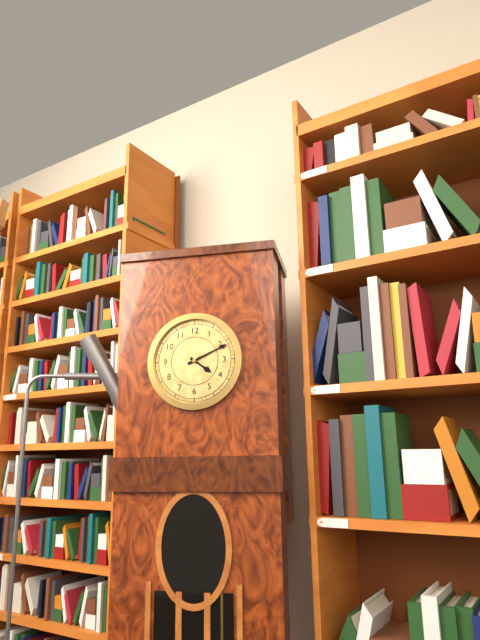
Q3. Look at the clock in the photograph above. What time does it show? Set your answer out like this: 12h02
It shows 4h11
